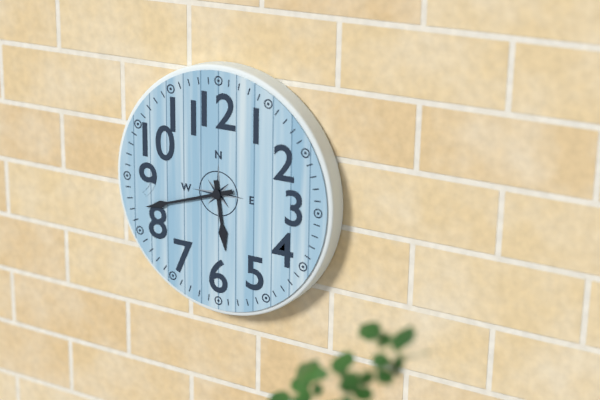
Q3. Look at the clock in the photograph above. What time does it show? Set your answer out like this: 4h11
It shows 5h42
